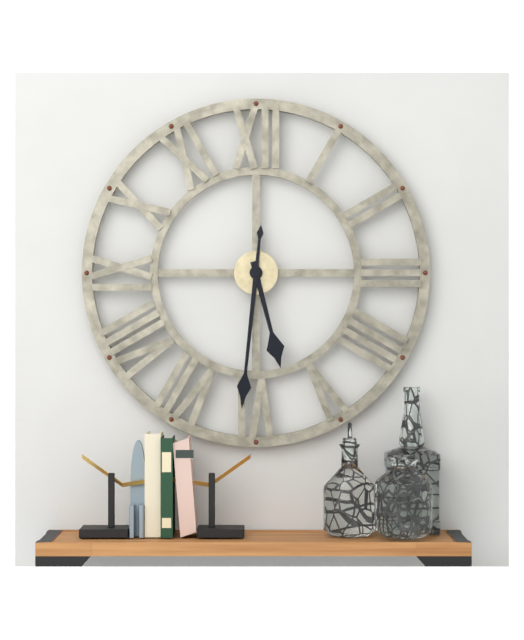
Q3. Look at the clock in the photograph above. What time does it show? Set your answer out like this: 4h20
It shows 5h31
